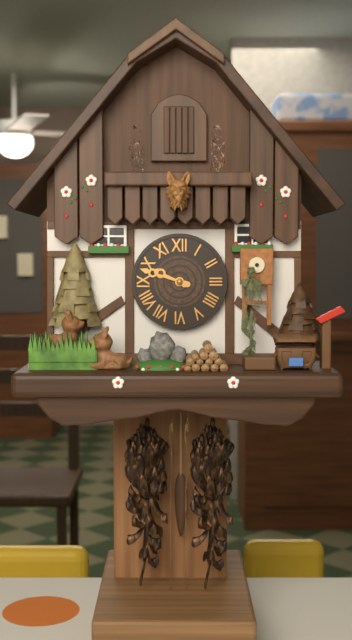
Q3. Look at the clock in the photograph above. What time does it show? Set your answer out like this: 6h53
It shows 9h48
